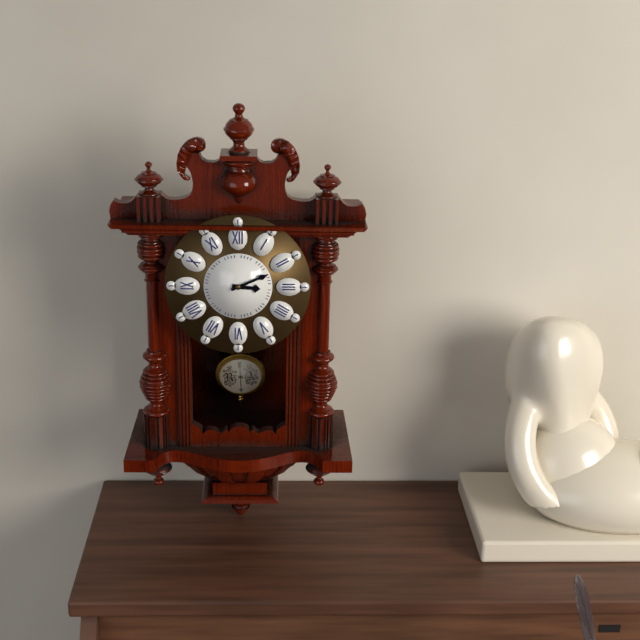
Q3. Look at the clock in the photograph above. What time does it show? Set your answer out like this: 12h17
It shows 3h11
